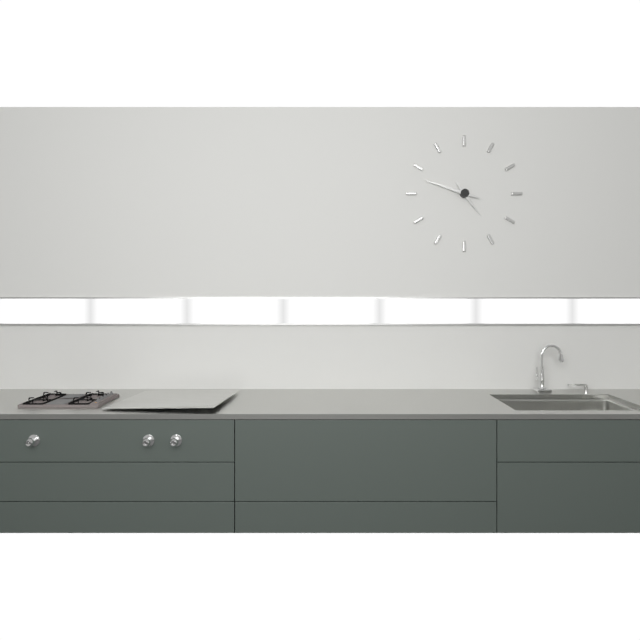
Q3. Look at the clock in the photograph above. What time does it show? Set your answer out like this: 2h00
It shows 4h48
